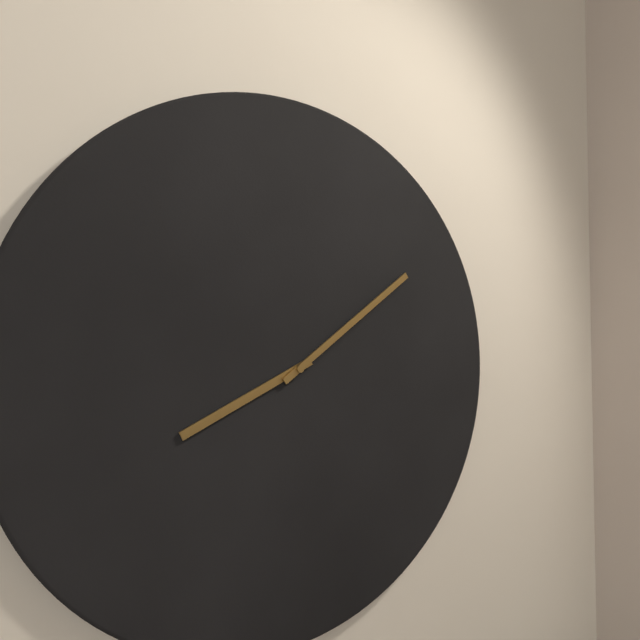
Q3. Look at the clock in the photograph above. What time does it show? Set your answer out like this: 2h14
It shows 8h09
